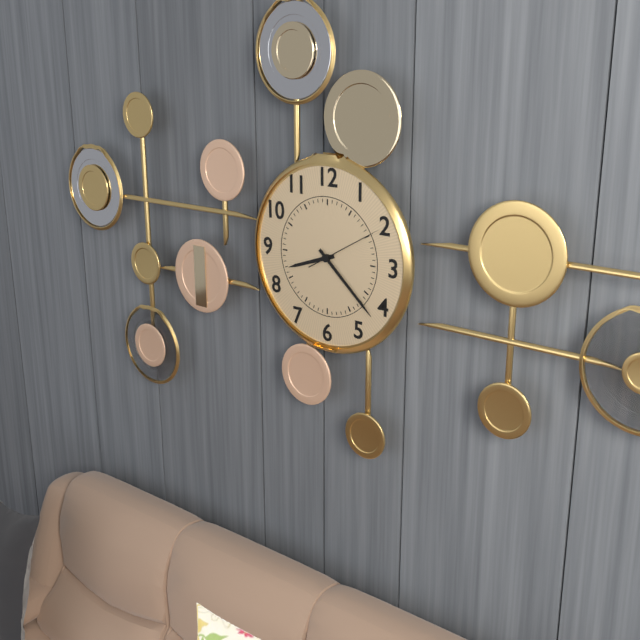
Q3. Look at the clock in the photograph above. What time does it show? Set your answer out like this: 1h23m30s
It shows 8h22m10s
